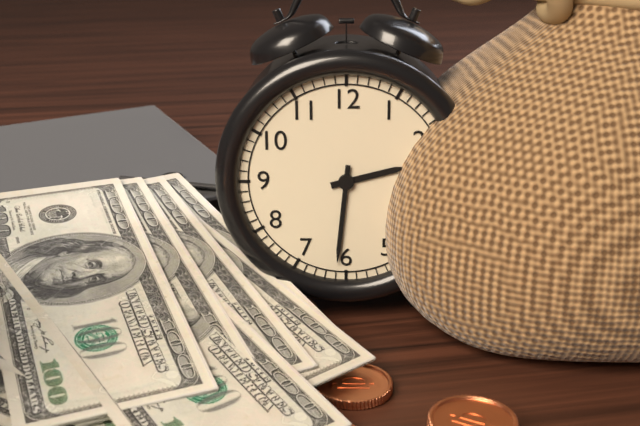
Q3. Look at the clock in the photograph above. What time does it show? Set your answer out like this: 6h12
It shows 2h31
